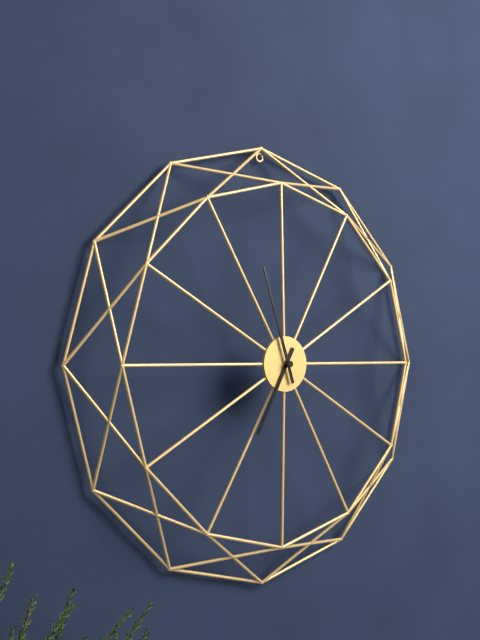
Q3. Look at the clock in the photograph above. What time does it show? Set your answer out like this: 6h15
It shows 6h57
